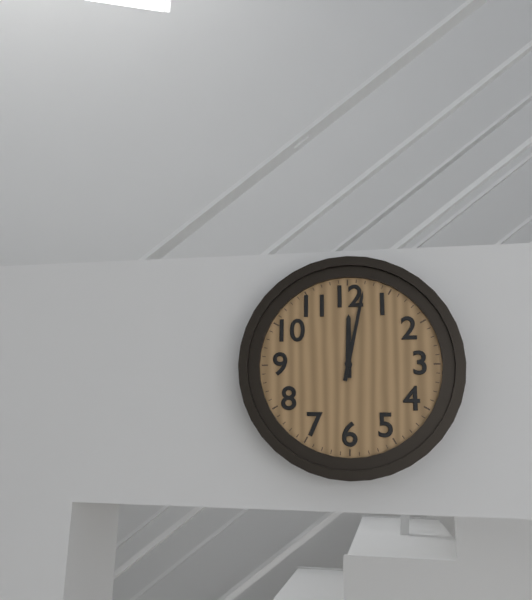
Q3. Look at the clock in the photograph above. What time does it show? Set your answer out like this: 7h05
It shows 12h02
